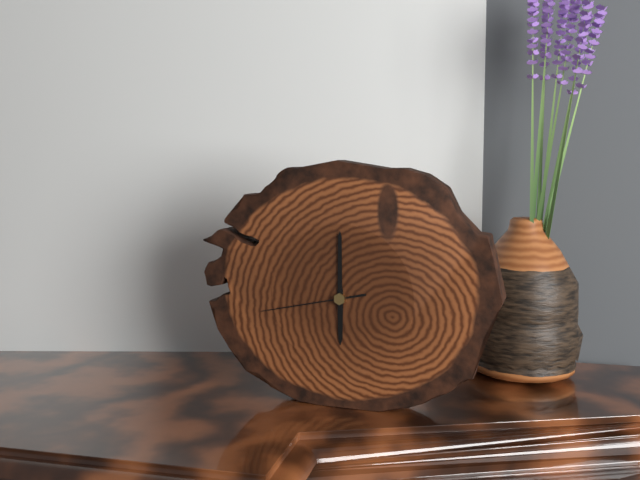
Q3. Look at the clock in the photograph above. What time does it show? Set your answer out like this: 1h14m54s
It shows 6h00m43s
